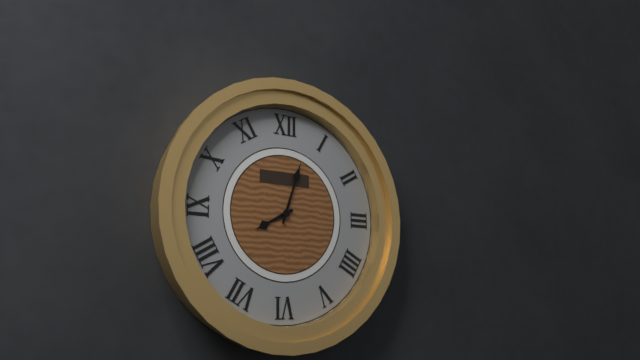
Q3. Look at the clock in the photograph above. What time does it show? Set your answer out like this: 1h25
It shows 8h03
